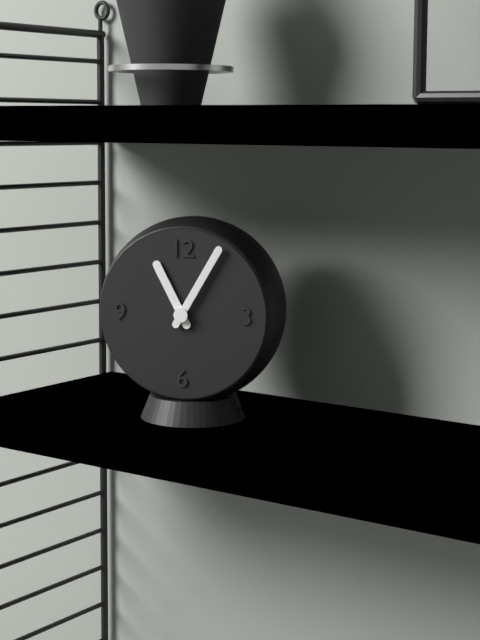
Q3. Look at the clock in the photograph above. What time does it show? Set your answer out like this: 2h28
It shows 11h05
